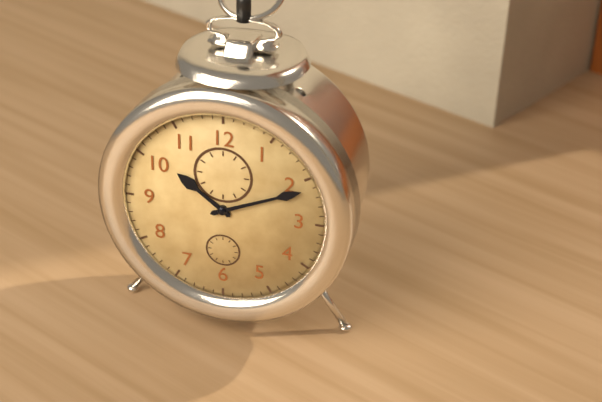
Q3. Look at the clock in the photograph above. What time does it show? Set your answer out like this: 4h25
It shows 10h11
